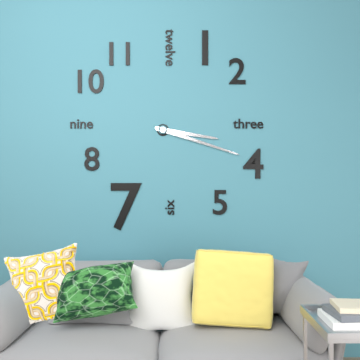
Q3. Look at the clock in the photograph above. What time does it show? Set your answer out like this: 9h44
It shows 3h18
